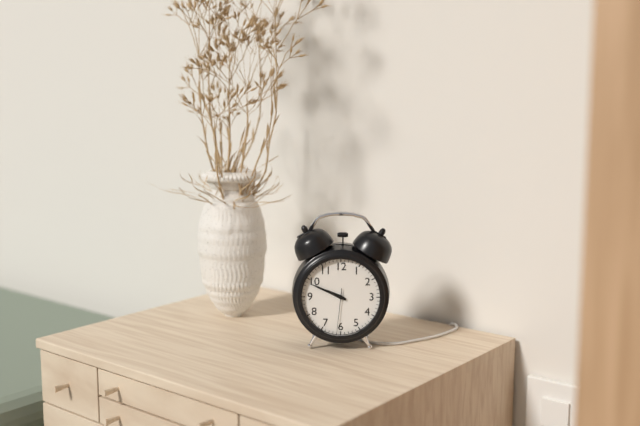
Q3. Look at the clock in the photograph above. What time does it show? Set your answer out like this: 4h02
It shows 9h49
